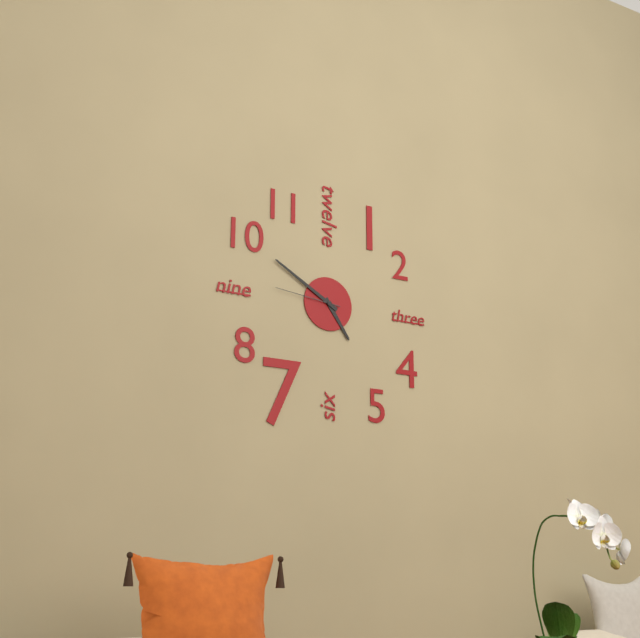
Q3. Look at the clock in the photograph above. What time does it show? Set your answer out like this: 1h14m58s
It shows 4h50m46s
